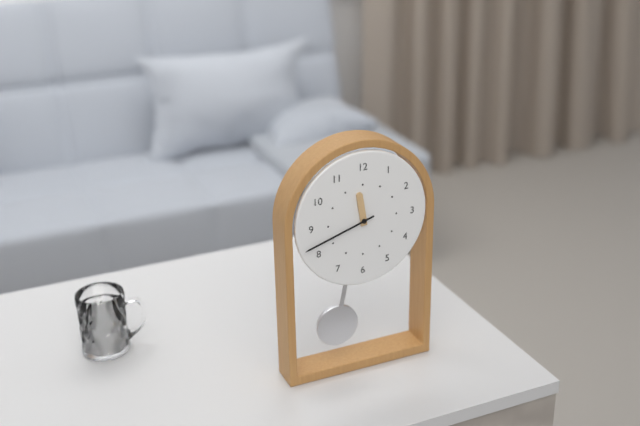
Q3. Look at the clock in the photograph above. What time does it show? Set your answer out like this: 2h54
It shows 11h42
